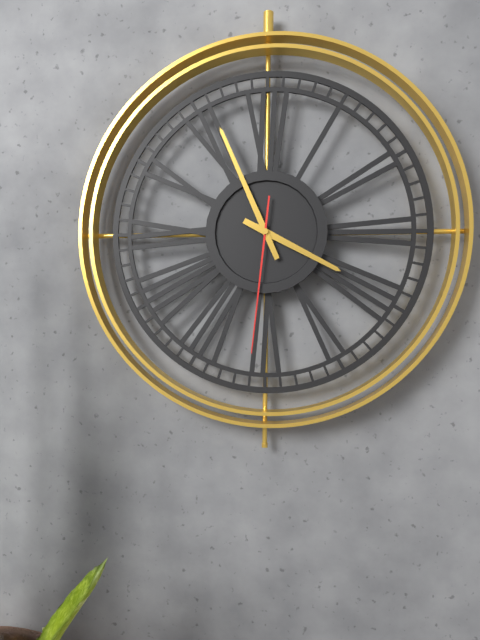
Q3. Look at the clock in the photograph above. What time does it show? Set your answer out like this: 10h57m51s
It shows 3h56m31s
